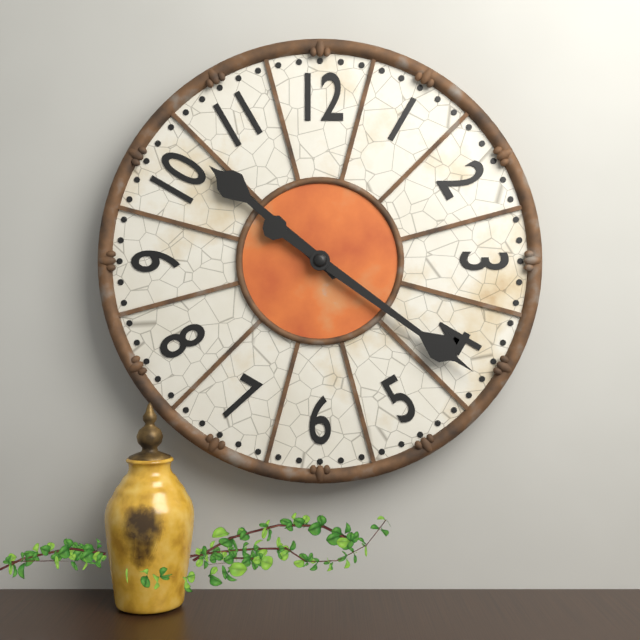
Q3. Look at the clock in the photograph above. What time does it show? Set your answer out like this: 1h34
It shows 10h21
